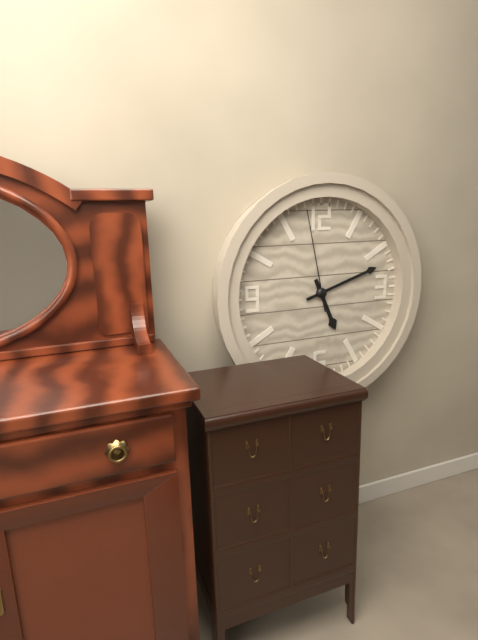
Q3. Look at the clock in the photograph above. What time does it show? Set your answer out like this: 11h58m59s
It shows 5h12m58s
